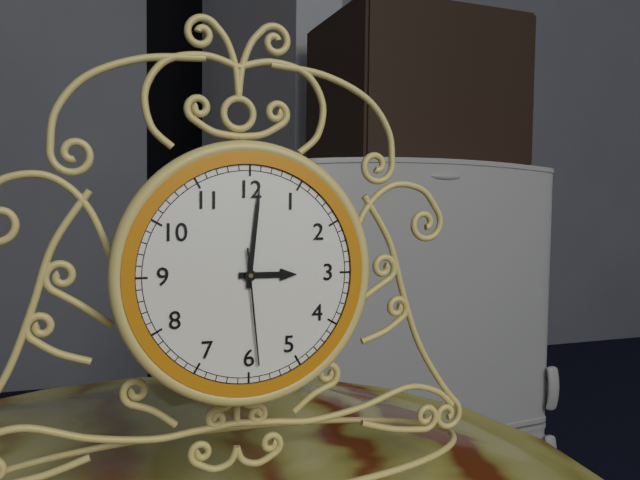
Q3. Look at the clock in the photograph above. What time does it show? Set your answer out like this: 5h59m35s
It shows 3h01m29s
